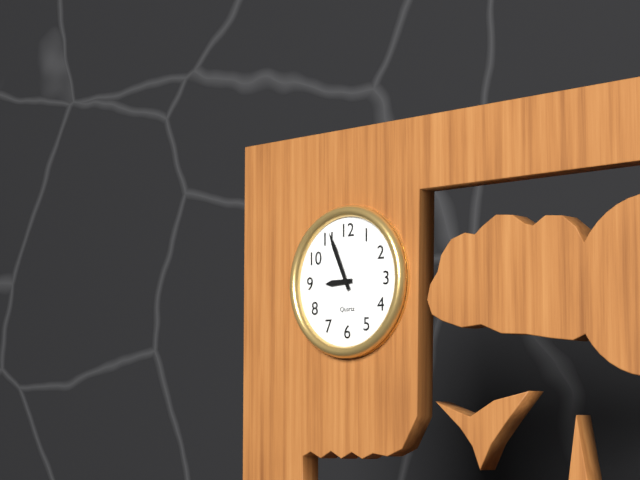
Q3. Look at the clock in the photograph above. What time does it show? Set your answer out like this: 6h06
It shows 8h56
